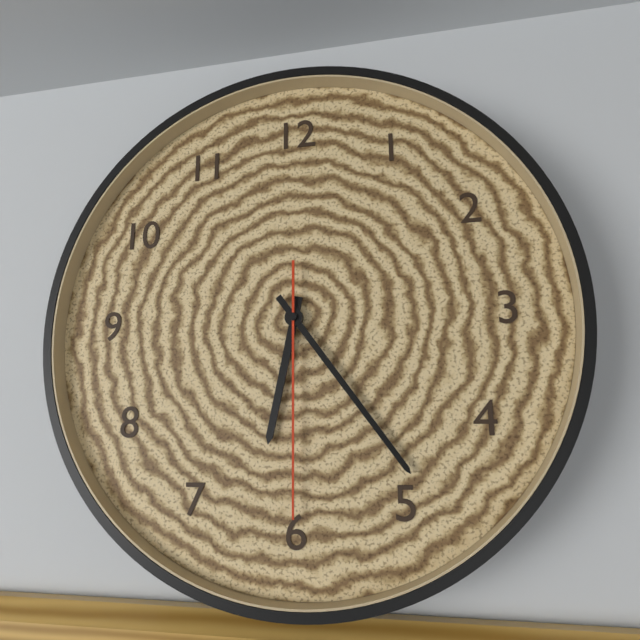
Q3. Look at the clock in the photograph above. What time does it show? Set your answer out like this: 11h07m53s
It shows 6h24m30s
